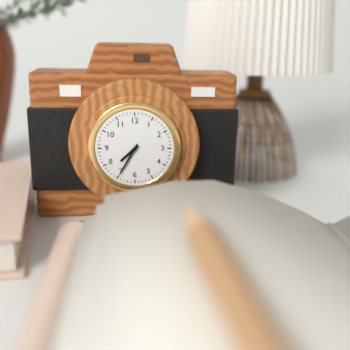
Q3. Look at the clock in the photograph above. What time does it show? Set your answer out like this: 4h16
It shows 7h35
